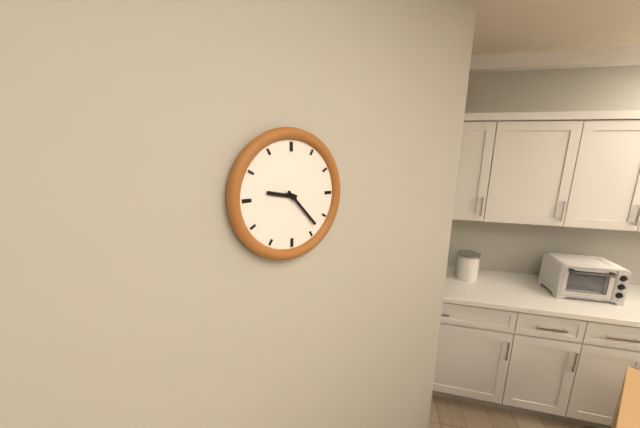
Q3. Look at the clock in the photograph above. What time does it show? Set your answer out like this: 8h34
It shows 9h23
